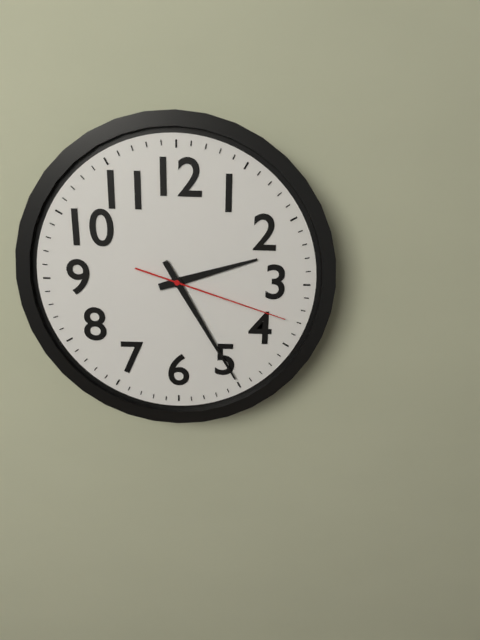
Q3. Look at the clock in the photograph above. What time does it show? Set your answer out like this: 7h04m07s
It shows 2h25m18s
